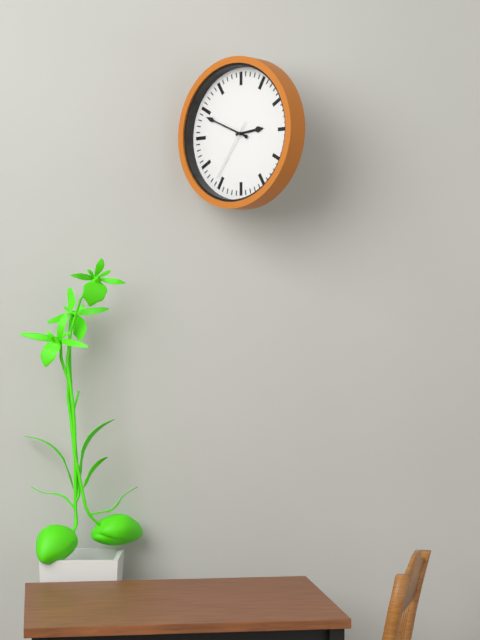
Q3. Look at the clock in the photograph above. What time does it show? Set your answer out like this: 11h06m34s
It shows 2h49m36s
